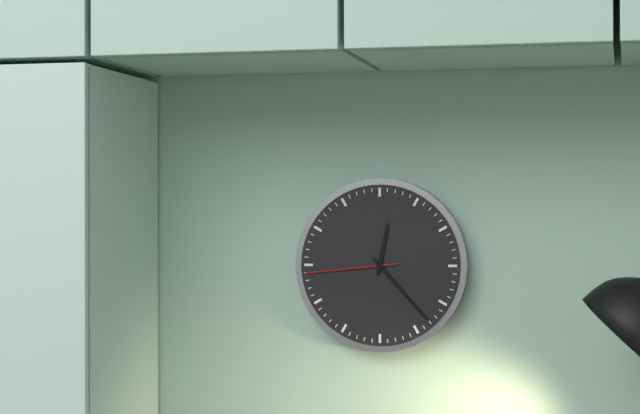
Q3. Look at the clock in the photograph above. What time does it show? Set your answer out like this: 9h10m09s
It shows 12h23m44s
